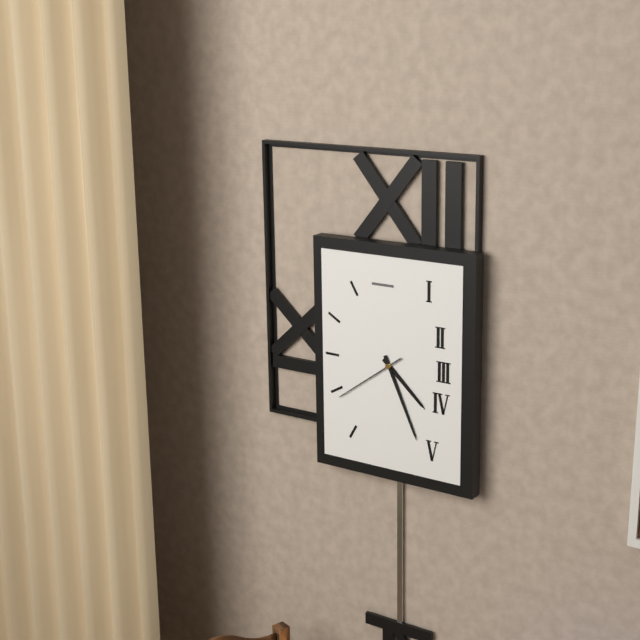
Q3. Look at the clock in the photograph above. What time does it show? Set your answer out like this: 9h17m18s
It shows 4h26m39s
